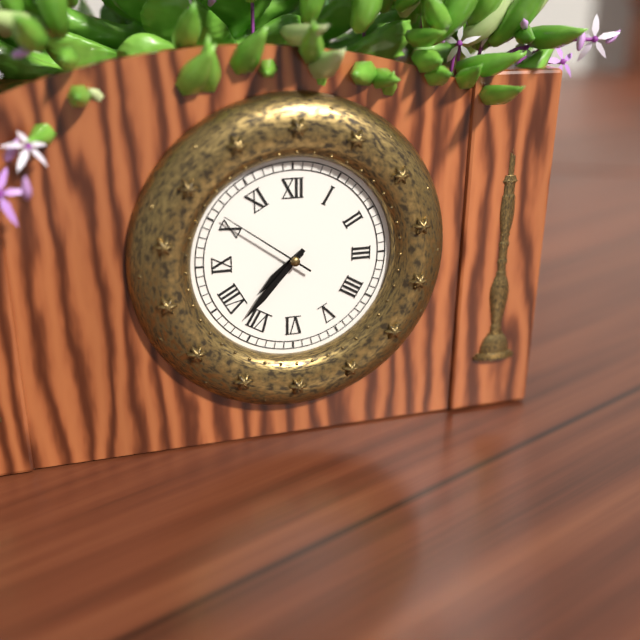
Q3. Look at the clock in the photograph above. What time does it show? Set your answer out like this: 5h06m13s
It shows 7h37m51s
